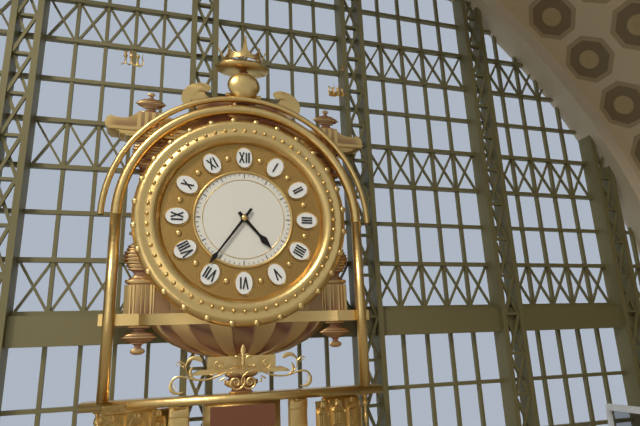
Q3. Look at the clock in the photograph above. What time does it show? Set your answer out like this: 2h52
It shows 4h36
